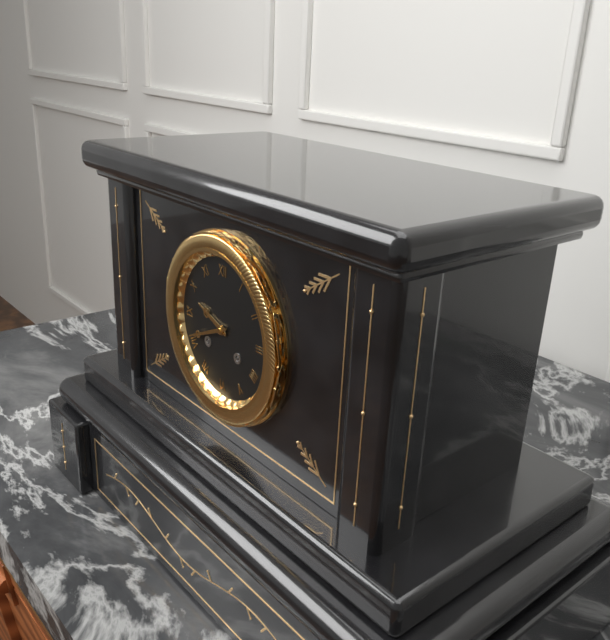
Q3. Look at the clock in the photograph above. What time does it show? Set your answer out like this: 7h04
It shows 9h41
